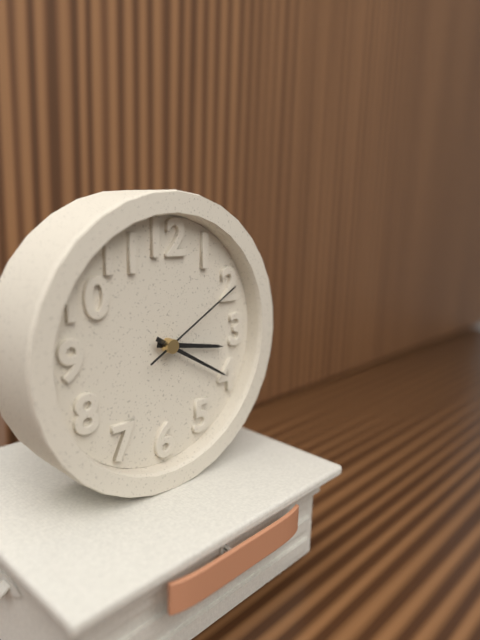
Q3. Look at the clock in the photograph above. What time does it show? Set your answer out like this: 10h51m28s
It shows 3h20m10s
